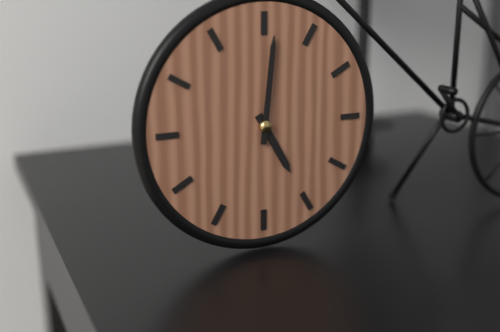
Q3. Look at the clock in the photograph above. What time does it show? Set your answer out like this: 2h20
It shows 5h01
